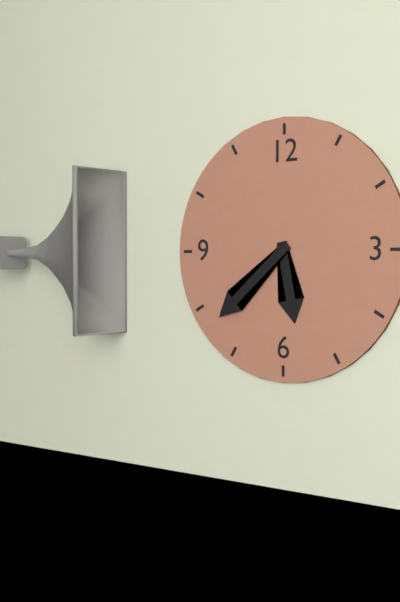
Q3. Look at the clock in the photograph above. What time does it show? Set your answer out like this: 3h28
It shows 5h38
